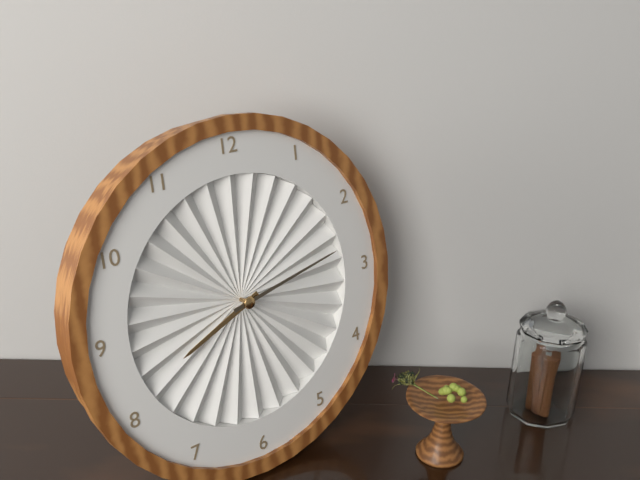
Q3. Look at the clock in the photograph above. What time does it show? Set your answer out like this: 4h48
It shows 8h13
